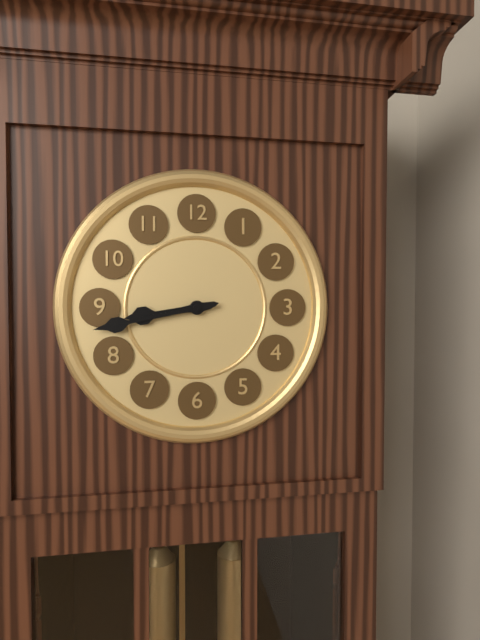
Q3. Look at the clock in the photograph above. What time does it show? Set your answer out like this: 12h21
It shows 8h43
